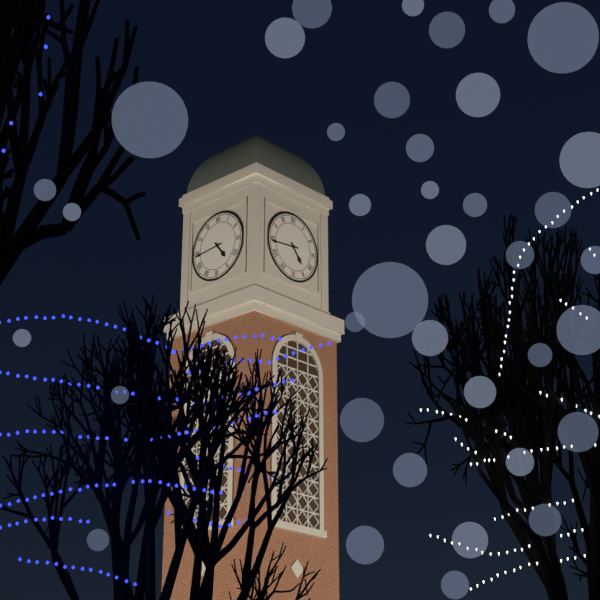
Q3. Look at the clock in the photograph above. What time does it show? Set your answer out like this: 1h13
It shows 4h44
